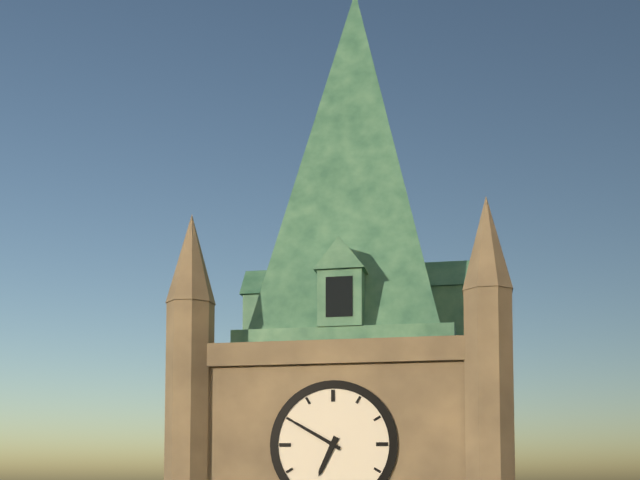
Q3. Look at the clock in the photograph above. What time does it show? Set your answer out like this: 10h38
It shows 6h50
